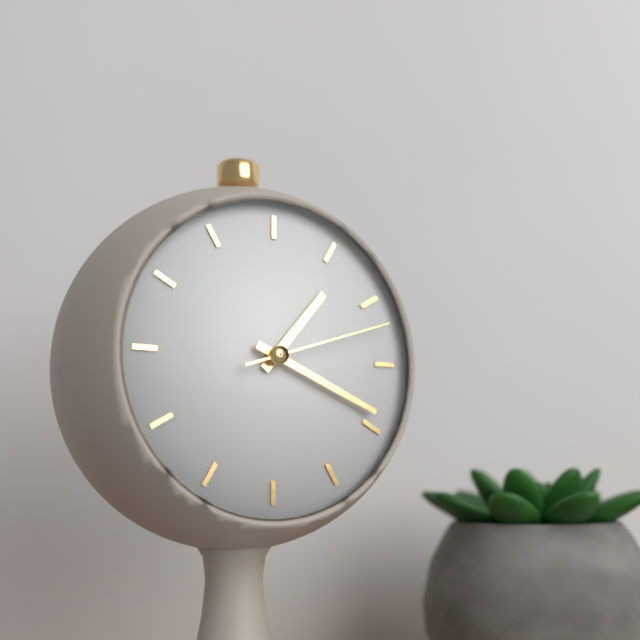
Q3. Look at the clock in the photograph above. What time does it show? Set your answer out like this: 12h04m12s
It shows 1h19m12s
